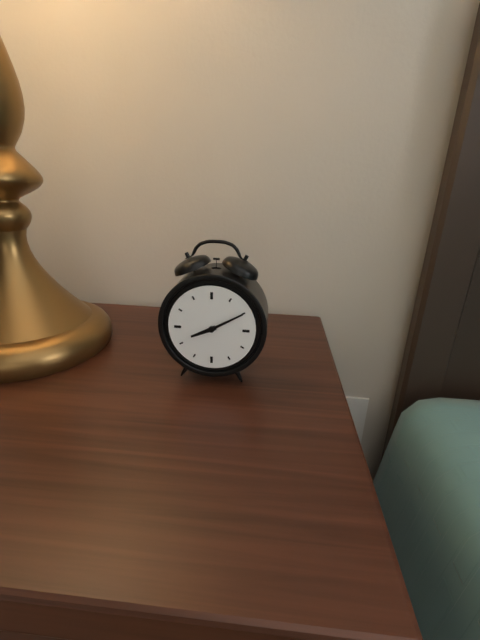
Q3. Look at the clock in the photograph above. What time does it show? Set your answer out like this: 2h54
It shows 8h10
